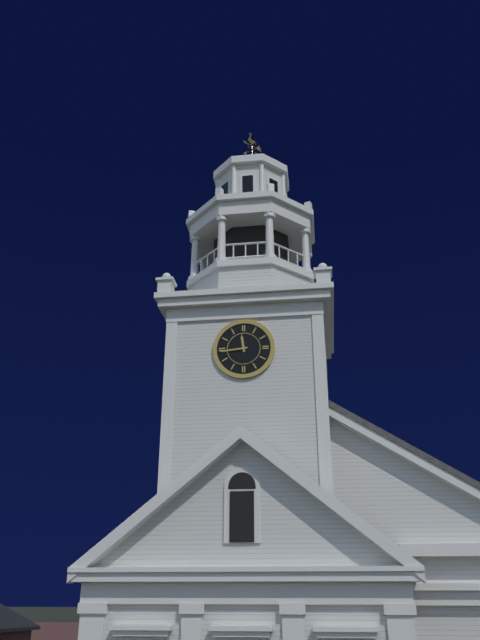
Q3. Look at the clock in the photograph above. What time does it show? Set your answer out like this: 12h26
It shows 11h44
